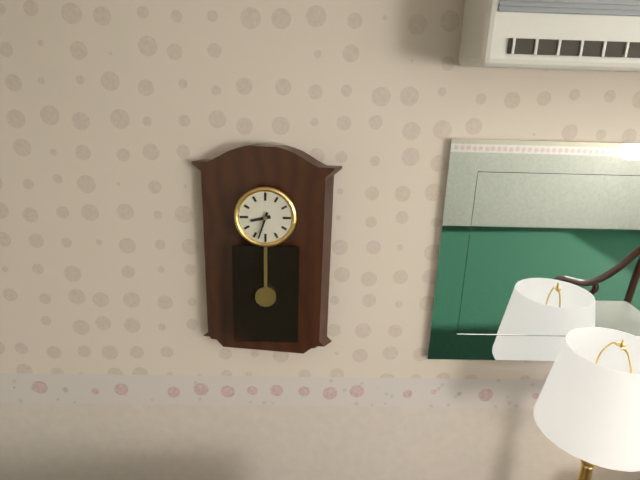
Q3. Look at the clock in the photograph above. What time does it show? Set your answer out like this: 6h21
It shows 8h33
